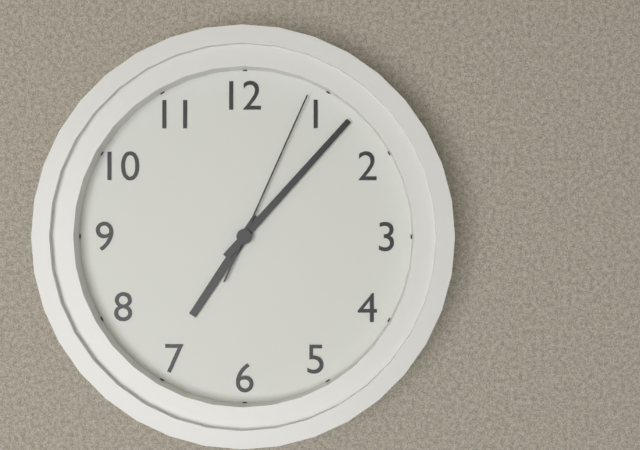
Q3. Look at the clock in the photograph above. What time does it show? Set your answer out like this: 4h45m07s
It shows 7h07m04s
